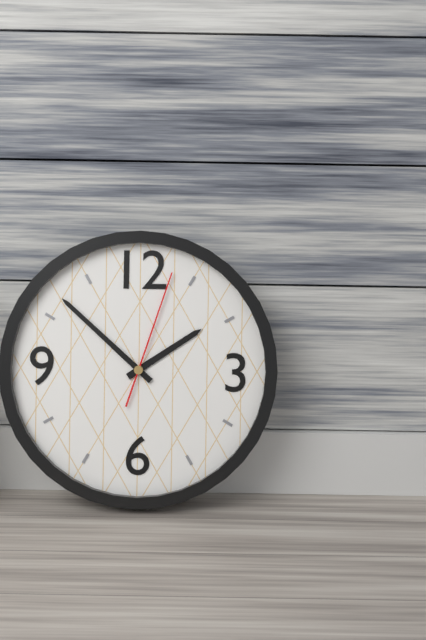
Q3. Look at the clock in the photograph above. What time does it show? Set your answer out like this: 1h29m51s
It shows 1h52m03s
